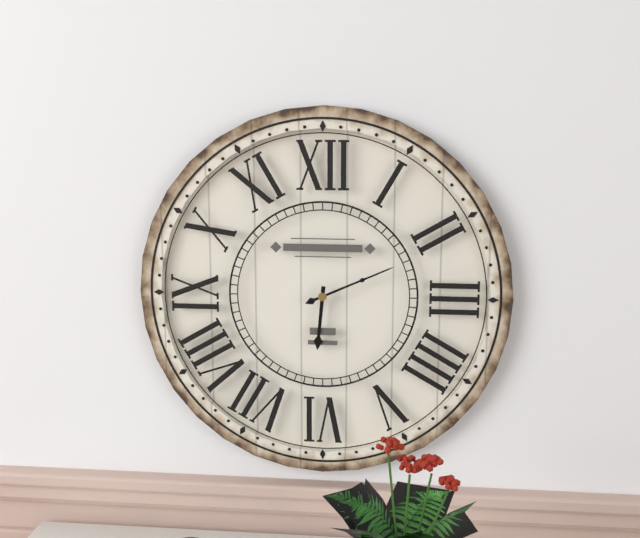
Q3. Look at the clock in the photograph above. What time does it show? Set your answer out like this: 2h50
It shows 6h11
